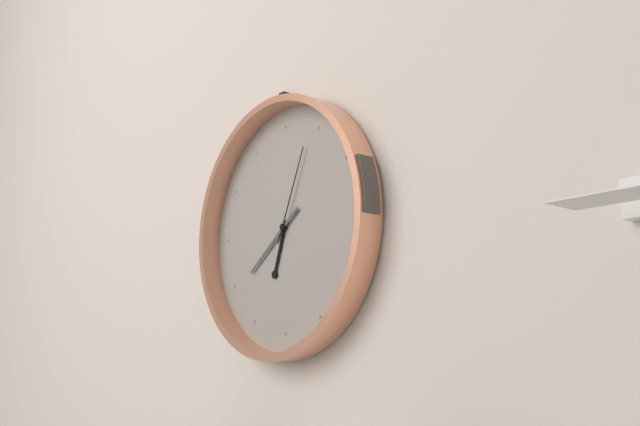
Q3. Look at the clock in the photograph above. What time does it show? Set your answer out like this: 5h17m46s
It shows 6h39m04s
